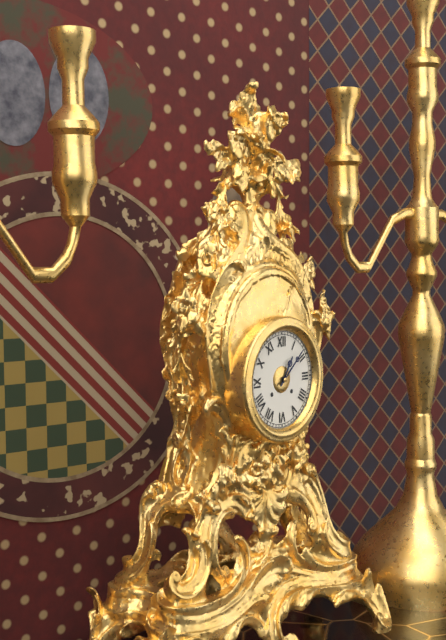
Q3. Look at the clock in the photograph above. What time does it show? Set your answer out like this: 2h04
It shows 1h08
